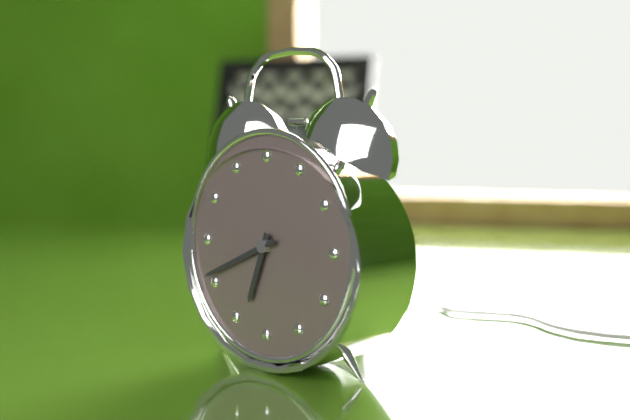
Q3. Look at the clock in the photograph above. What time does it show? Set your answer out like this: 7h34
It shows 6h41
